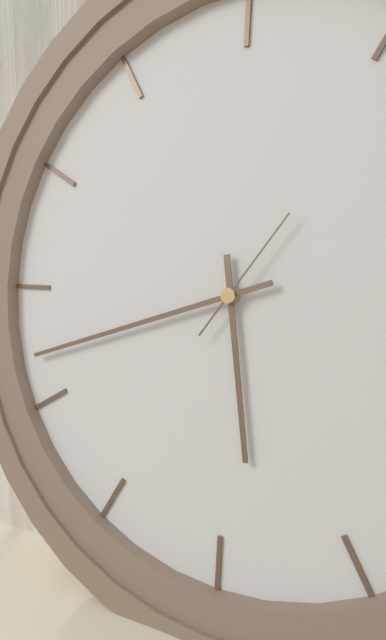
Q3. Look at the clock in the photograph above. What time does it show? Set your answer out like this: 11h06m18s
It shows 5h42m06s
